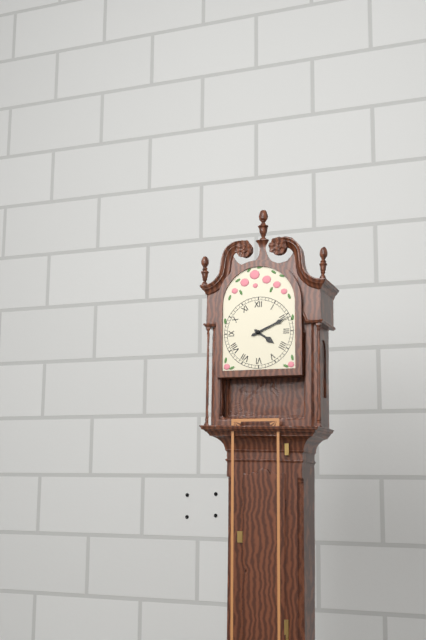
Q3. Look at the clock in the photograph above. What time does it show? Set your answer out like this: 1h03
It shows 4h11
